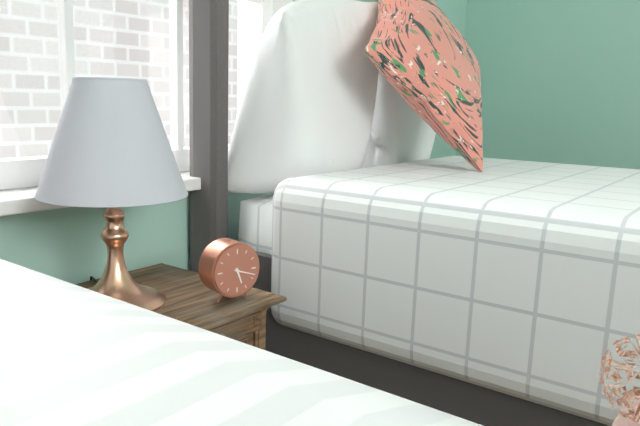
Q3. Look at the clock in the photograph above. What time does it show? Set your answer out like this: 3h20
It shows 5h18
